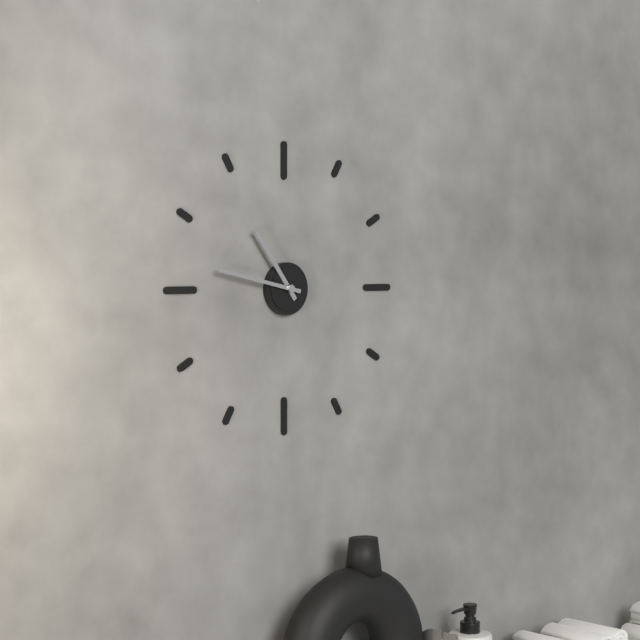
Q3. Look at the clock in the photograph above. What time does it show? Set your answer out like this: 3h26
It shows 10h47
